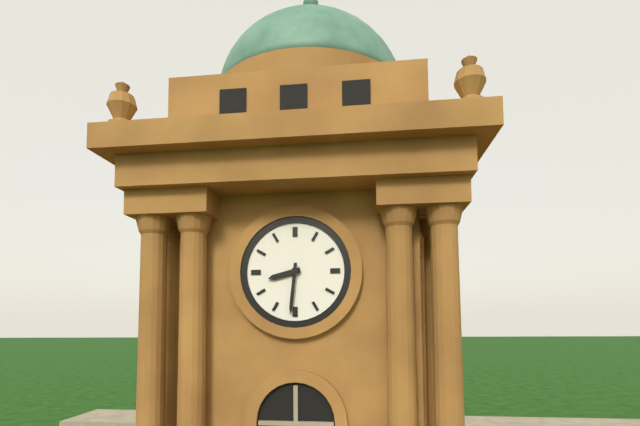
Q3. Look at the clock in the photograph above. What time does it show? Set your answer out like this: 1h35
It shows 8h31
